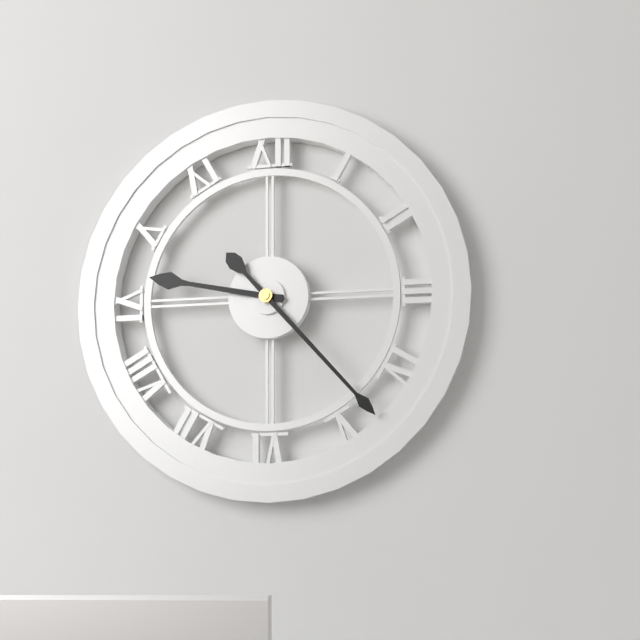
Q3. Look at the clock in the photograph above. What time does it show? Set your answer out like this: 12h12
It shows 9h23
